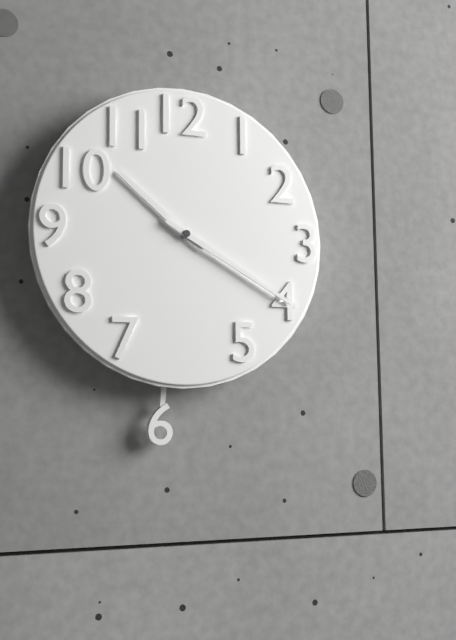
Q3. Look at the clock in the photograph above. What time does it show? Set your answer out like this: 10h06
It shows 10h20
